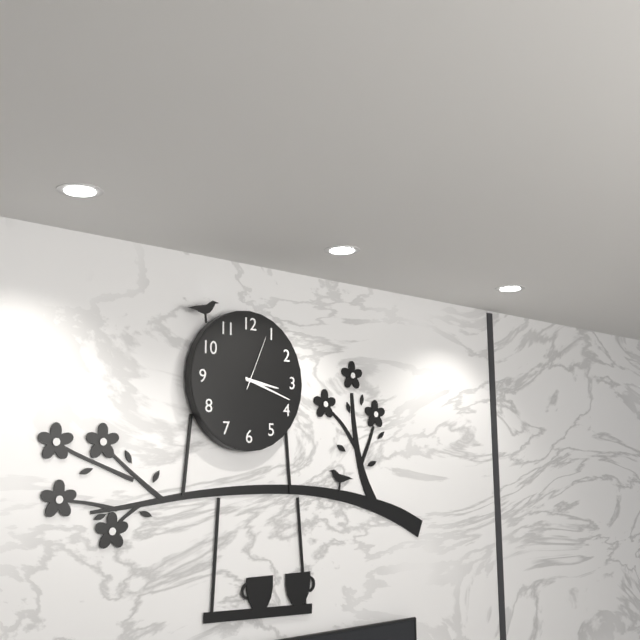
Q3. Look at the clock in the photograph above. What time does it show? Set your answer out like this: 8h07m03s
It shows 3h18m04s
